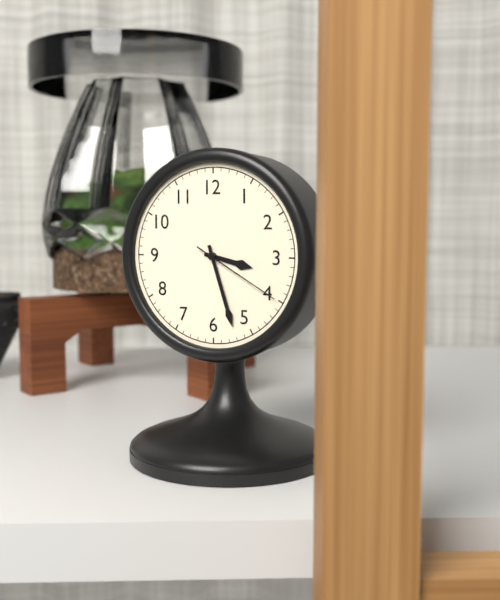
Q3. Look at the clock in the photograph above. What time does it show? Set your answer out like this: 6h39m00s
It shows 3h27m20s
